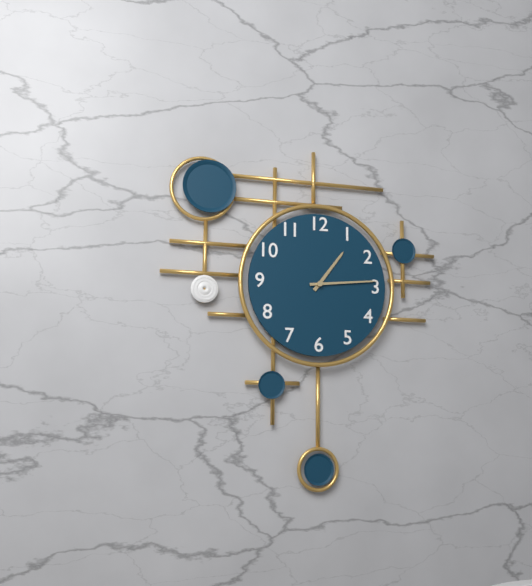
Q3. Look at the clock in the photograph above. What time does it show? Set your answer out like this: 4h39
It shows 1h14
